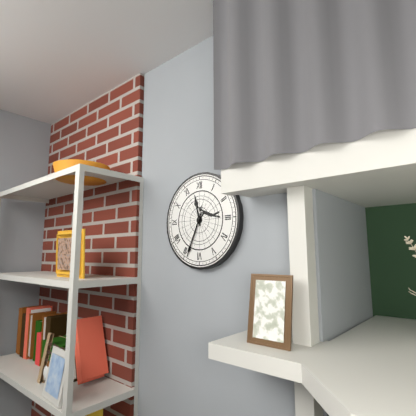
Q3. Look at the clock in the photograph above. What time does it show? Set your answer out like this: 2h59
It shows 11h34
